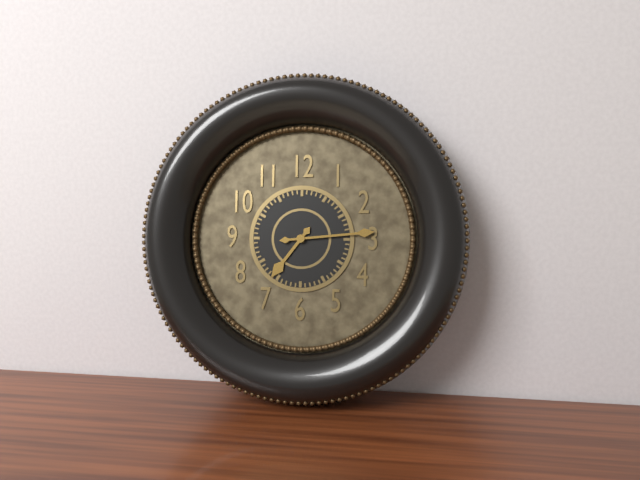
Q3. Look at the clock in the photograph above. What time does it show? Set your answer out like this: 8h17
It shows 7h14
